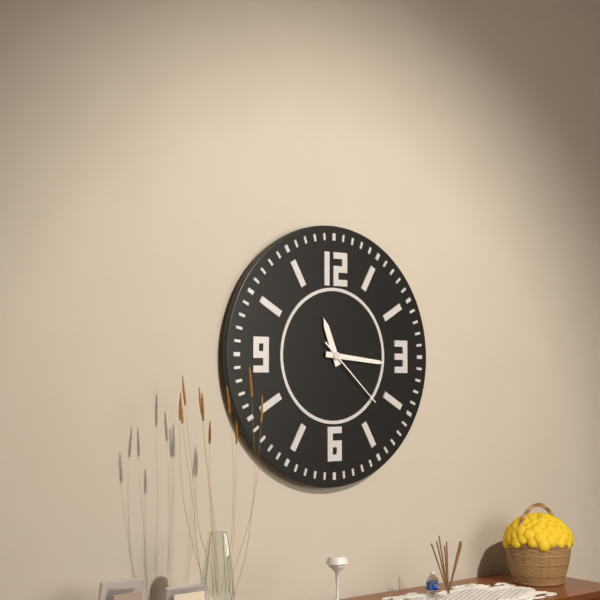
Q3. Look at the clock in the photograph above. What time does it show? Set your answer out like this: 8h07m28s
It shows 11h16m22s
